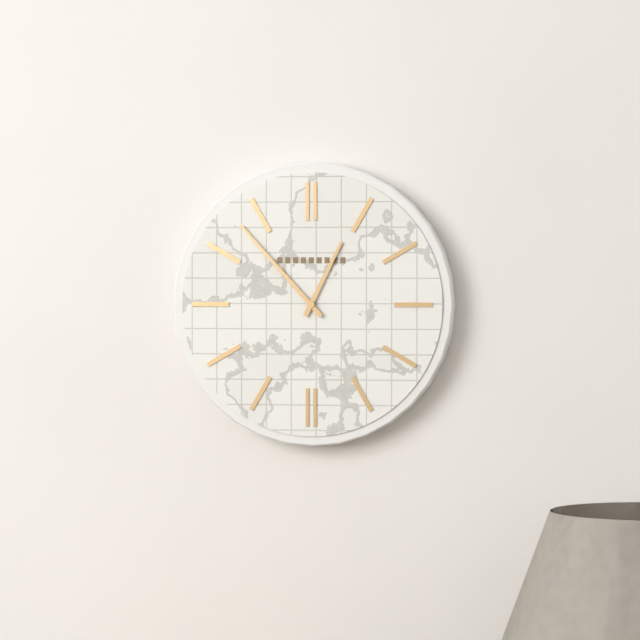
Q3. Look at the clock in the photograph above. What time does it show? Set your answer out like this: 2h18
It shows 12h53
